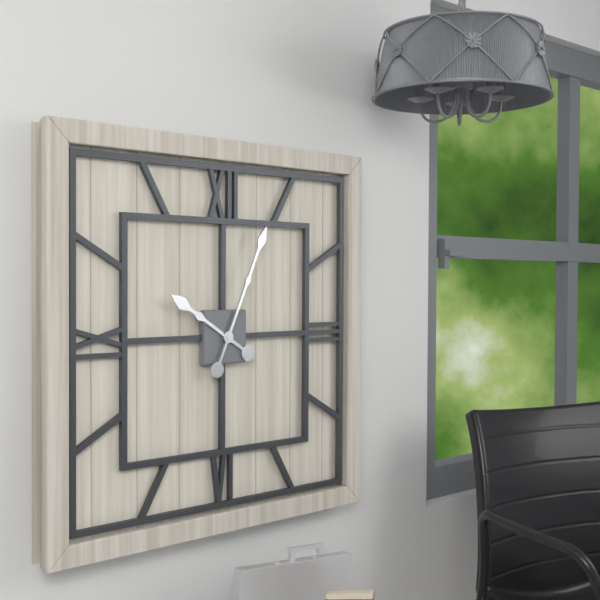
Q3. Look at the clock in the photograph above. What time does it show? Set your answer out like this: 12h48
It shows 10h04
